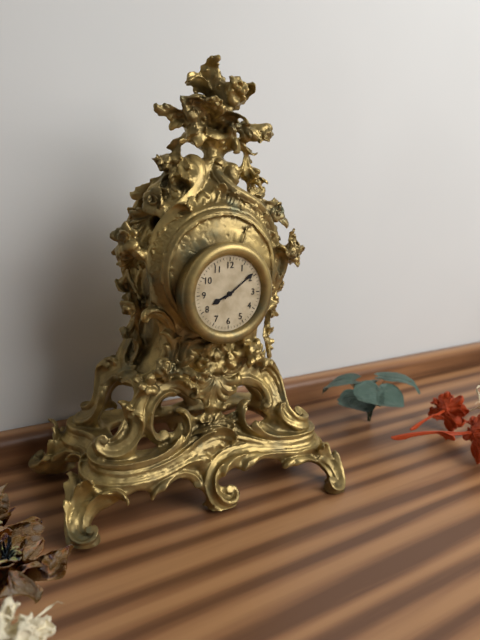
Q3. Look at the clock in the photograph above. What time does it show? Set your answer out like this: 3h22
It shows 8h09
